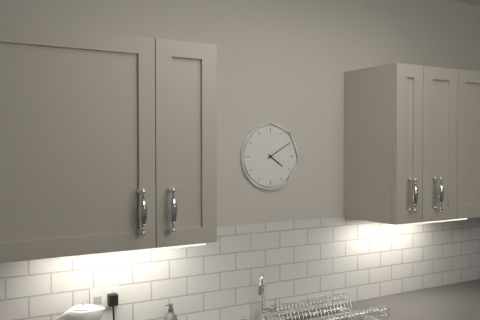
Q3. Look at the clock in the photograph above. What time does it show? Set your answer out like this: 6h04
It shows 4h10
